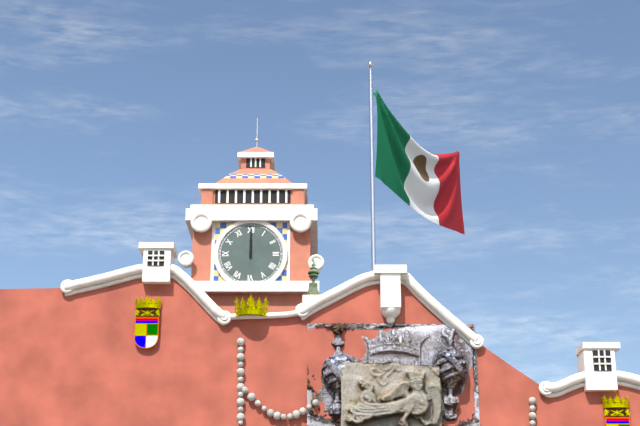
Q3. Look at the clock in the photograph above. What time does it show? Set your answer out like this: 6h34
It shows 12h00
